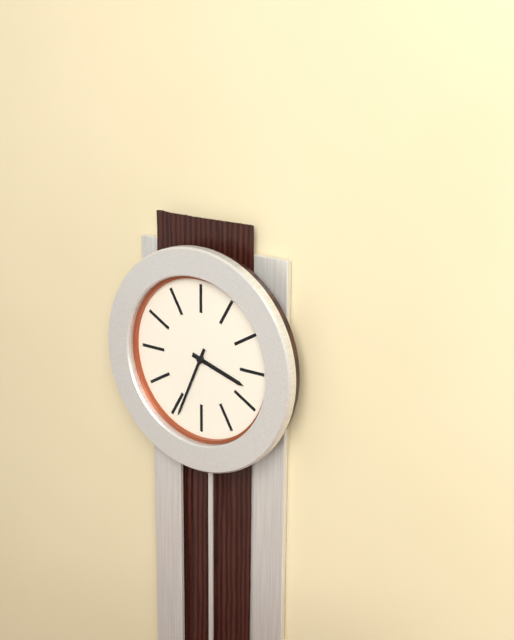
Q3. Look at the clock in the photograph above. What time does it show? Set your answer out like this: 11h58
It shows 3h34
